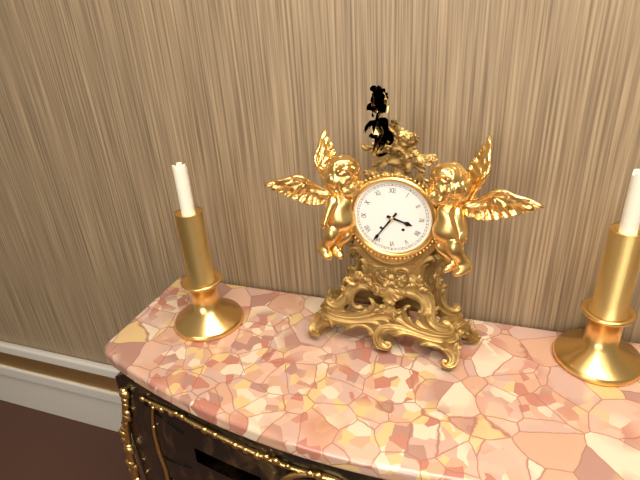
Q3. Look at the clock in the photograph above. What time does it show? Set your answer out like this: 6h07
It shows 3h36
